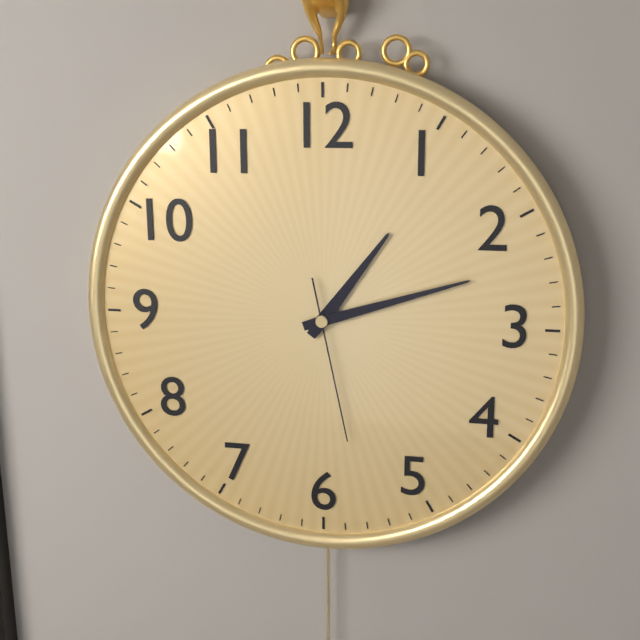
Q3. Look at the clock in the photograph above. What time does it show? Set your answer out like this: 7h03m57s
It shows 1h12m28s
